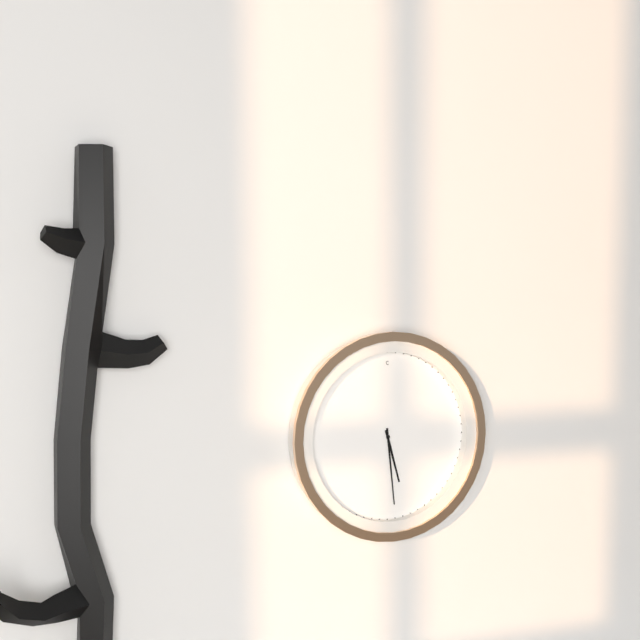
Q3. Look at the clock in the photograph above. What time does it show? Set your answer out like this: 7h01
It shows 5h29
